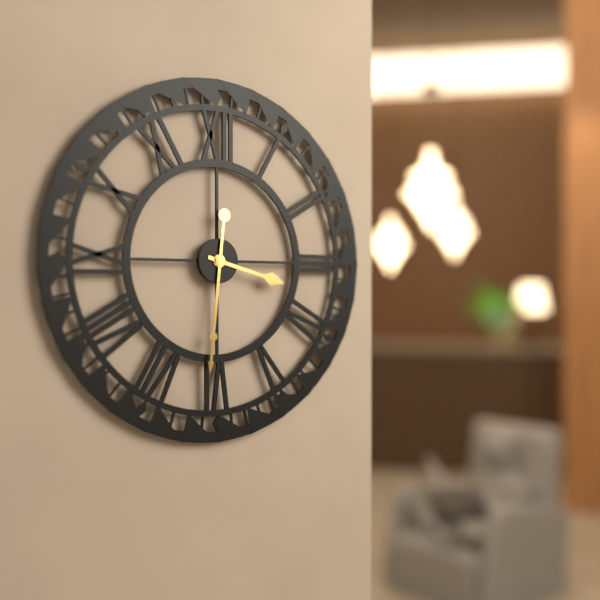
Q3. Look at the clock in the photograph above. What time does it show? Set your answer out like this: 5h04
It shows 3h31
